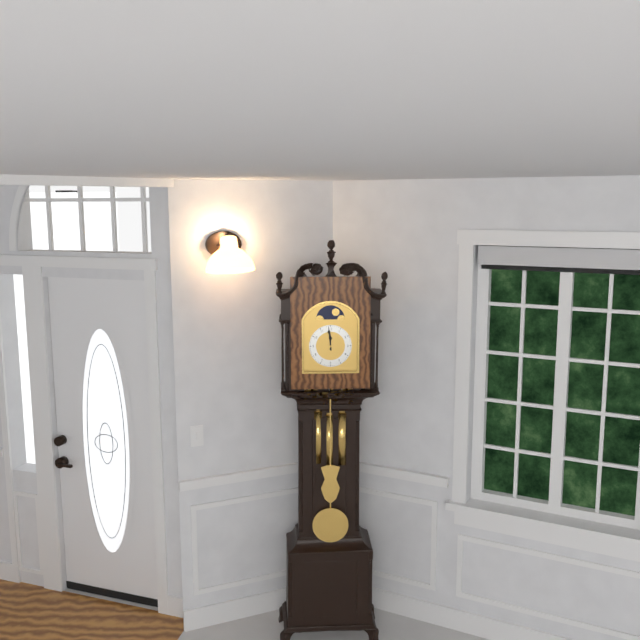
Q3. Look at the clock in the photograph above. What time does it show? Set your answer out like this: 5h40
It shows 11h59
